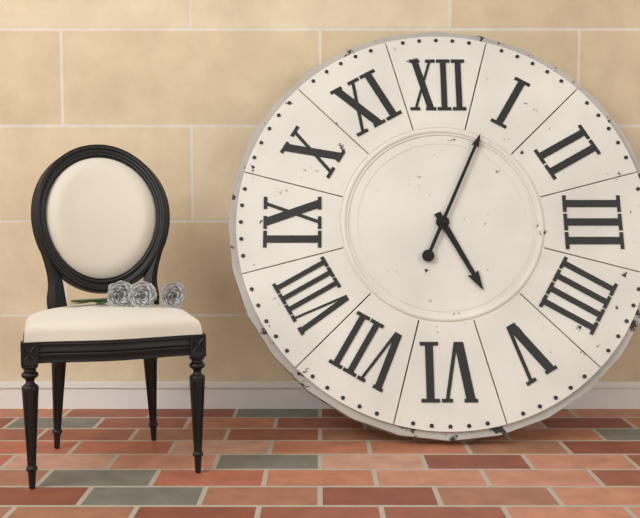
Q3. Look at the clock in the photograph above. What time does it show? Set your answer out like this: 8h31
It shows 5h04
